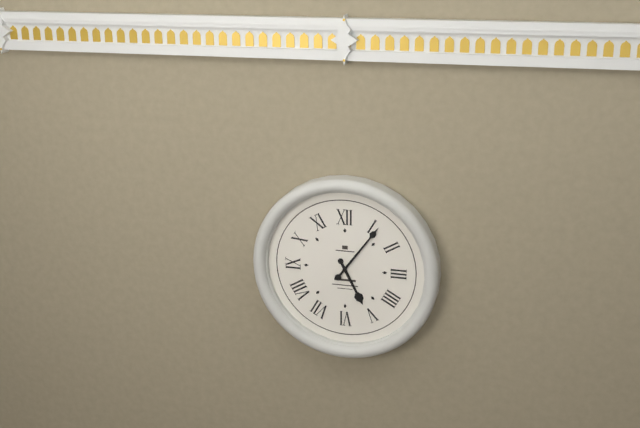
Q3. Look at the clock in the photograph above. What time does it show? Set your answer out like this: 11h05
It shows 5h06
